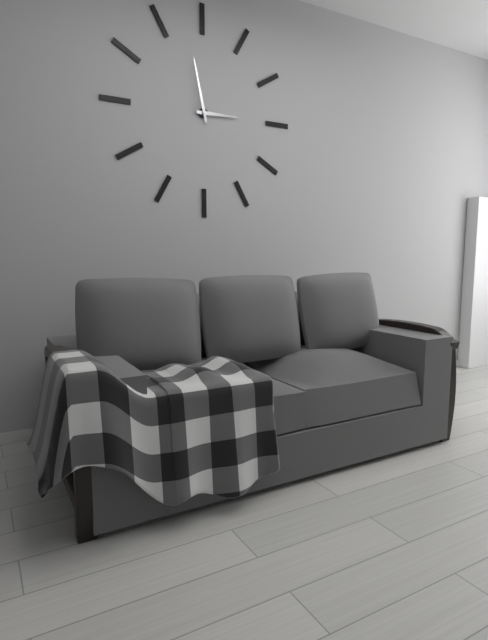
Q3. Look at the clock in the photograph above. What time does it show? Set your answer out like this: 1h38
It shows 2h58
